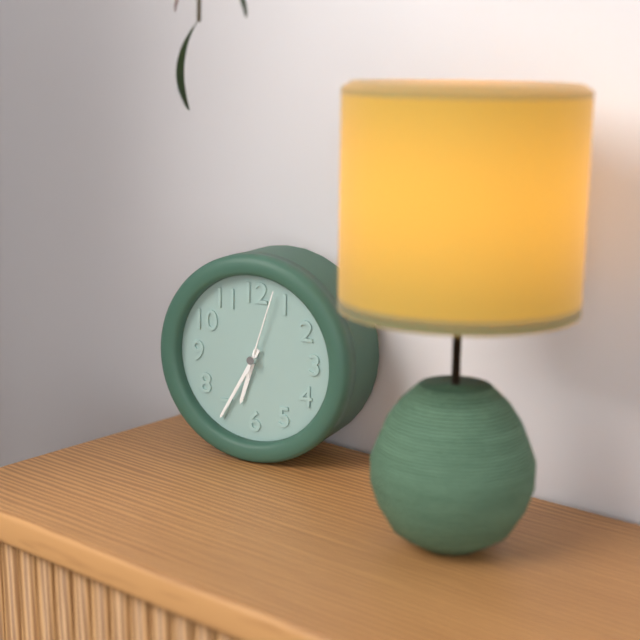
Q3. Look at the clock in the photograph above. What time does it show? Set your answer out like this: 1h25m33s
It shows 6h35m03s
